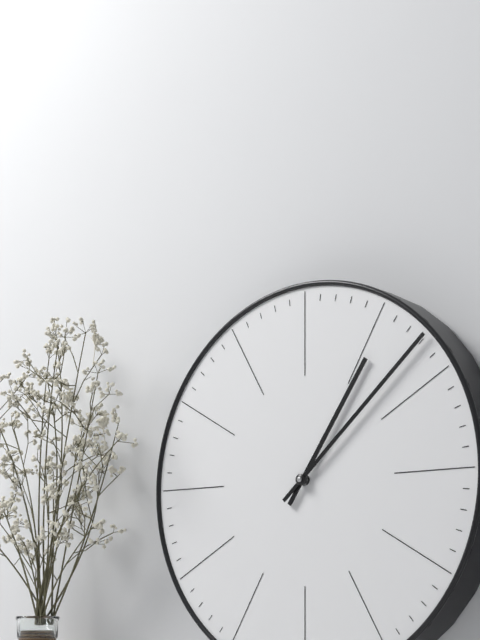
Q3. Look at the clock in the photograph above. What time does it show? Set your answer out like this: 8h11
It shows 1h08
